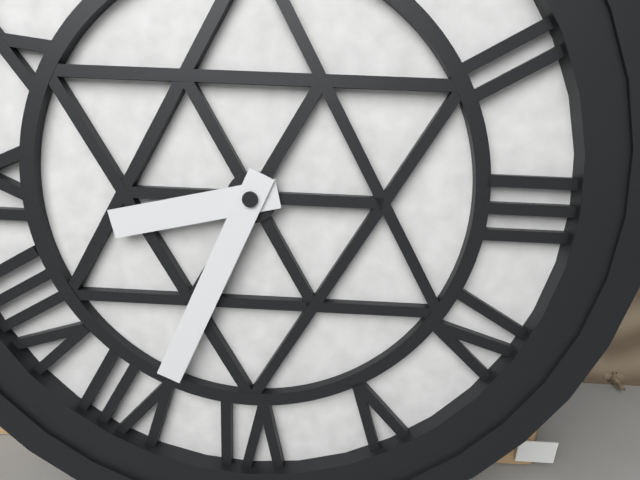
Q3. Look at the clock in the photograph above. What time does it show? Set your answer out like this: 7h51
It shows 8h34
